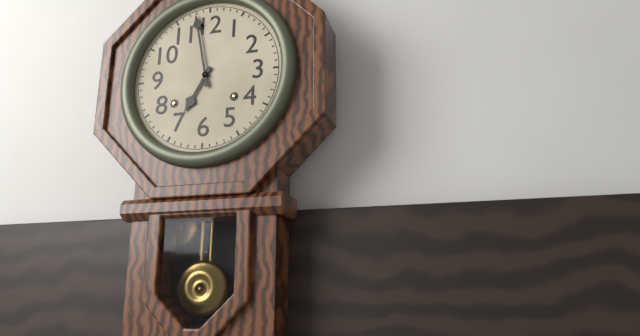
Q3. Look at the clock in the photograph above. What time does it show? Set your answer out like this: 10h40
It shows 6h58
